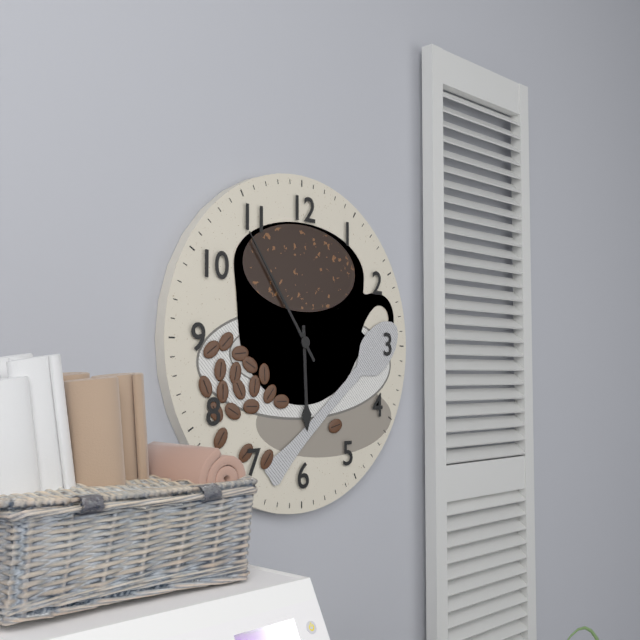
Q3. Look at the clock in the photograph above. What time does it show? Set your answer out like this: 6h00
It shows 5h54
